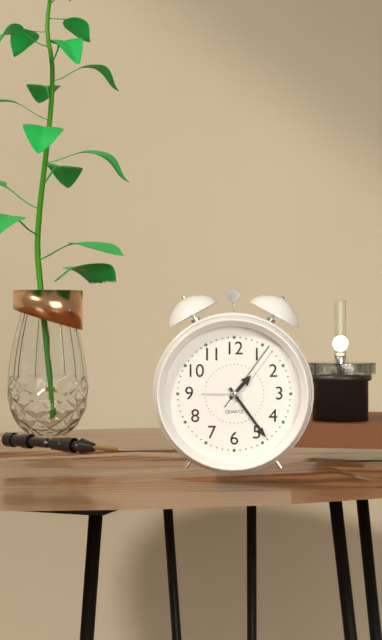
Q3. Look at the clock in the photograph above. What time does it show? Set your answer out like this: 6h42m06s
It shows 1h24m06s
